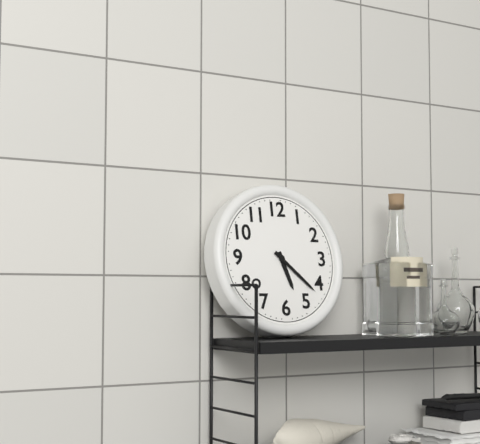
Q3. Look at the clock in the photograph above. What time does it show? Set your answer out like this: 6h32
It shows 5h22
